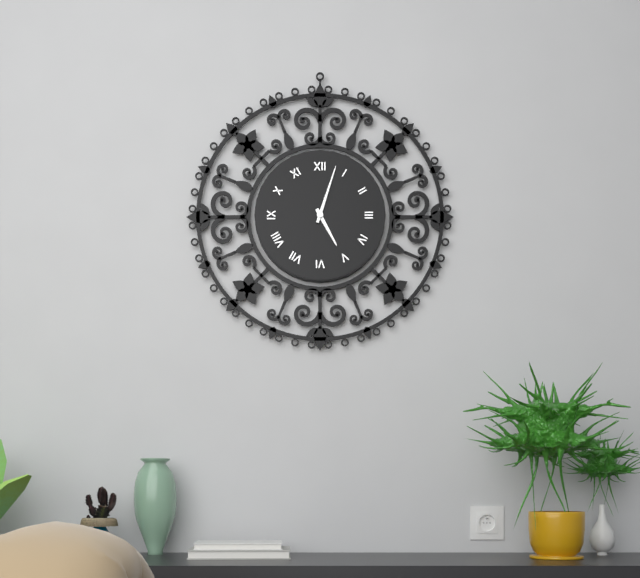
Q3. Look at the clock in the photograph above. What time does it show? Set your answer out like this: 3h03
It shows 5h03
